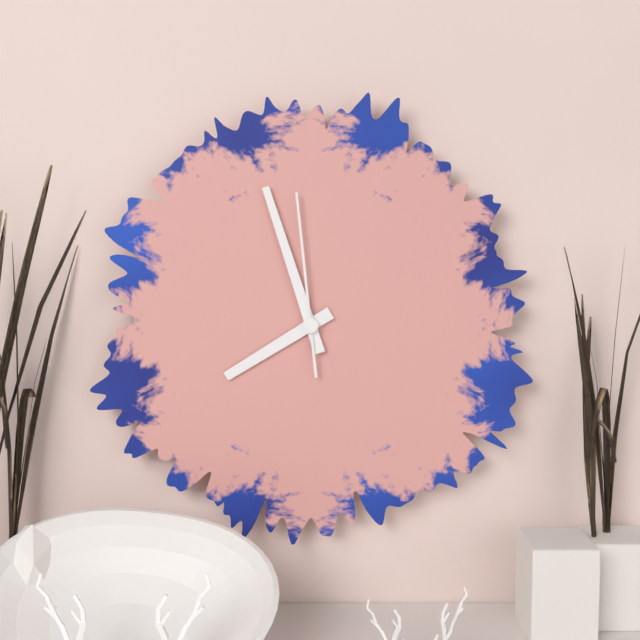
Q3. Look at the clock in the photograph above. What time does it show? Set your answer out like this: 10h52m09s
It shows 7h57m59s
